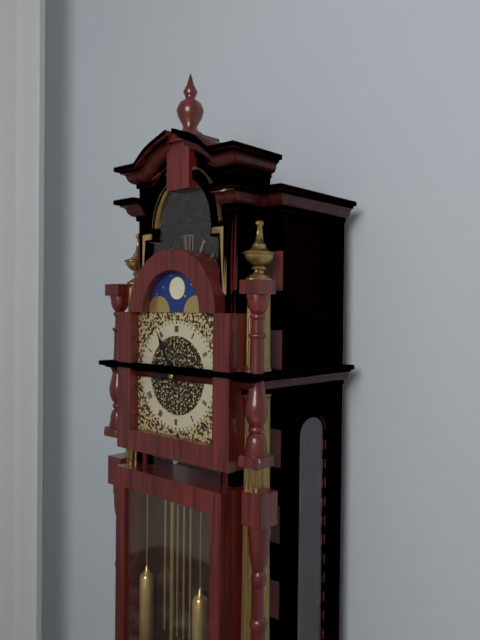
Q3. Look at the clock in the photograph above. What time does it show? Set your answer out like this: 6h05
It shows 8h55
